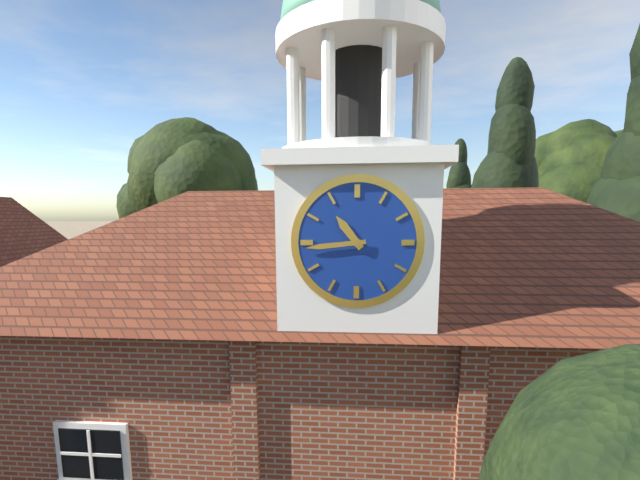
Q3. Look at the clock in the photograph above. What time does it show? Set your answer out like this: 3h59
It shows 10h44
